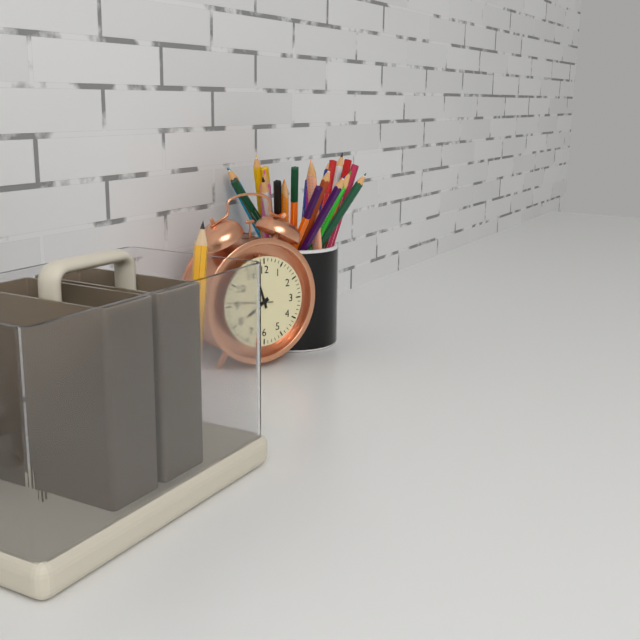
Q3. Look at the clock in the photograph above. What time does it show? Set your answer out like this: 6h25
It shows 7h57
